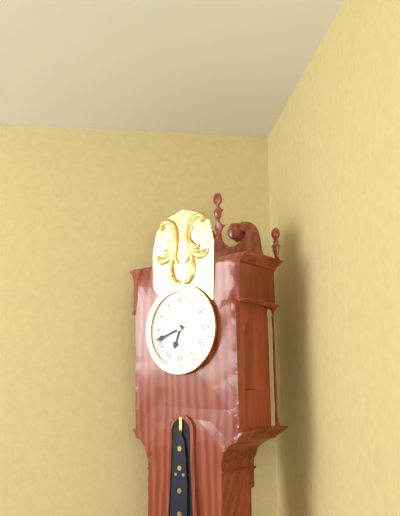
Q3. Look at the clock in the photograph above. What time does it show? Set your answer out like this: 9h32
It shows 6h42
